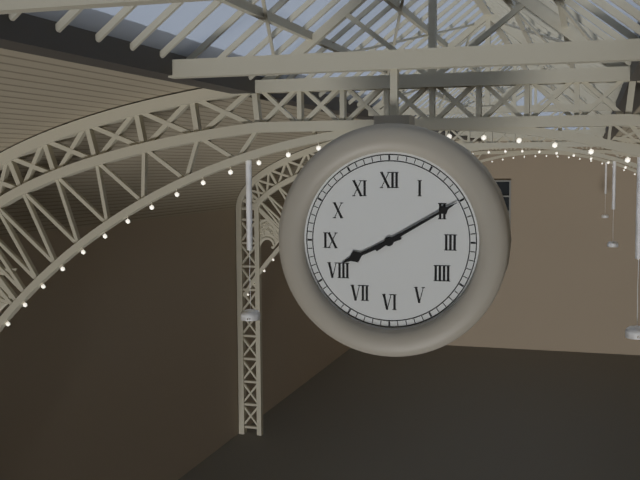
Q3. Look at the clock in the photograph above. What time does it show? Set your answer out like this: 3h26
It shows 8h10
